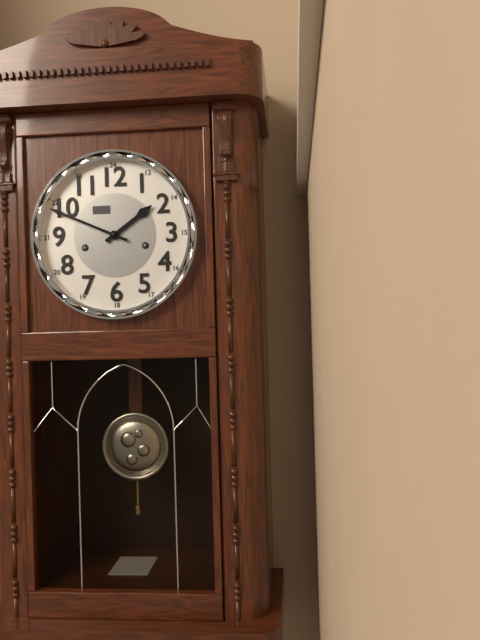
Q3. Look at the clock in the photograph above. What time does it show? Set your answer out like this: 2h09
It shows 1h49
